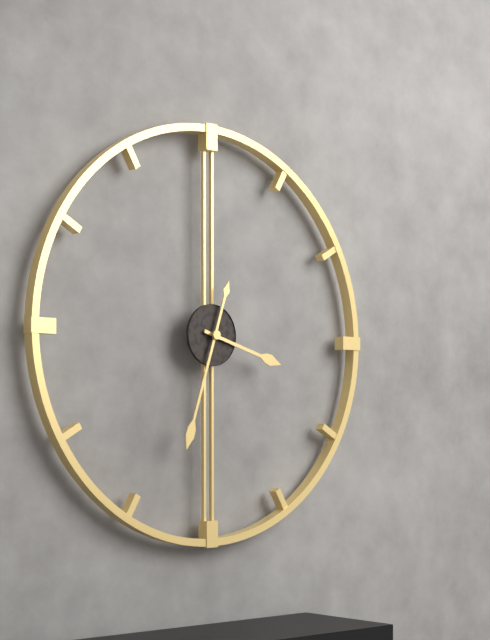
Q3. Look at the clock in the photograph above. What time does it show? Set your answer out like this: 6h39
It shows 3h33
